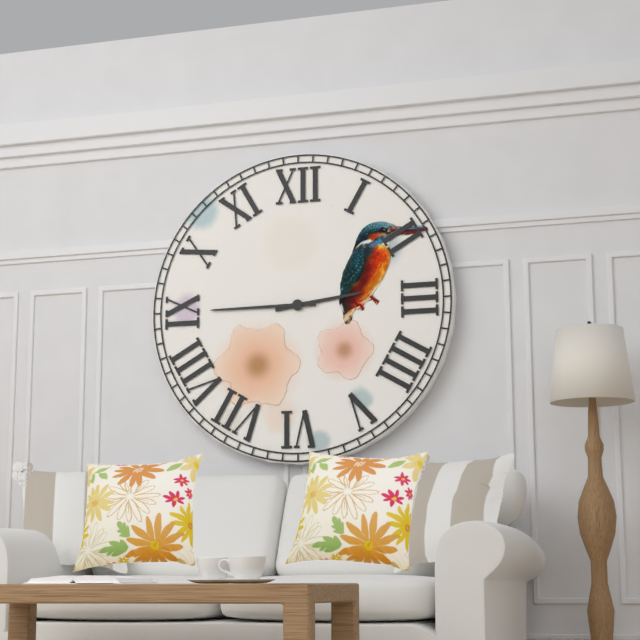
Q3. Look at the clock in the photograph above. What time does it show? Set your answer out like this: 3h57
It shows 2h45
